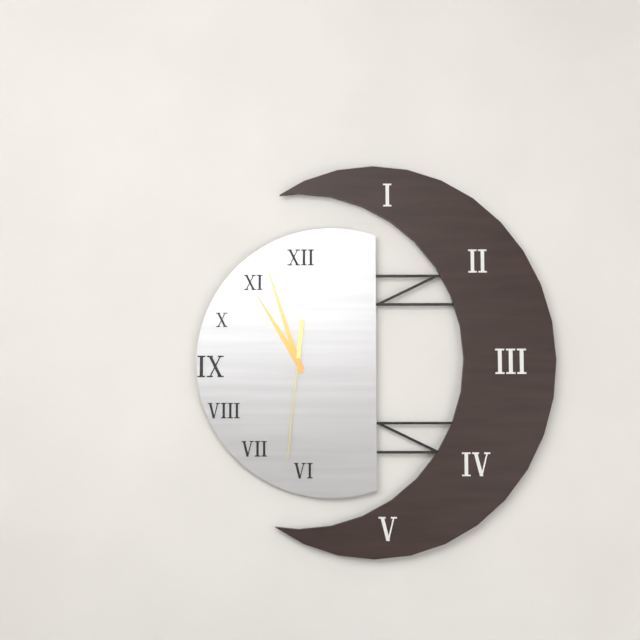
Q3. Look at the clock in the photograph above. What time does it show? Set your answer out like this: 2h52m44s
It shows 10h57m31s
